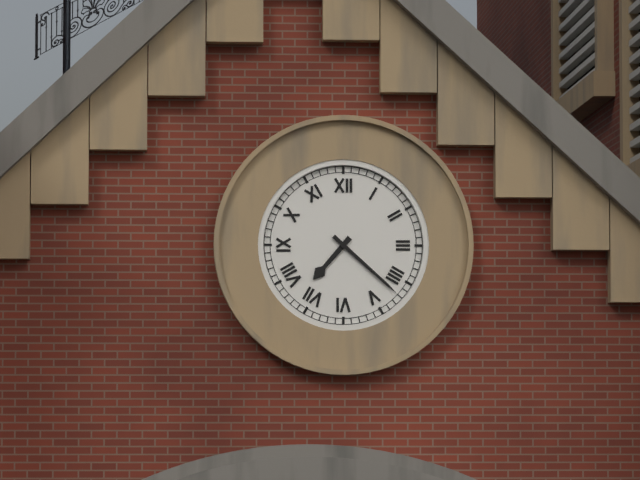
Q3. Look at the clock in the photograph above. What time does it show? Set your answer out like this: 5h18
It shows 7h22
